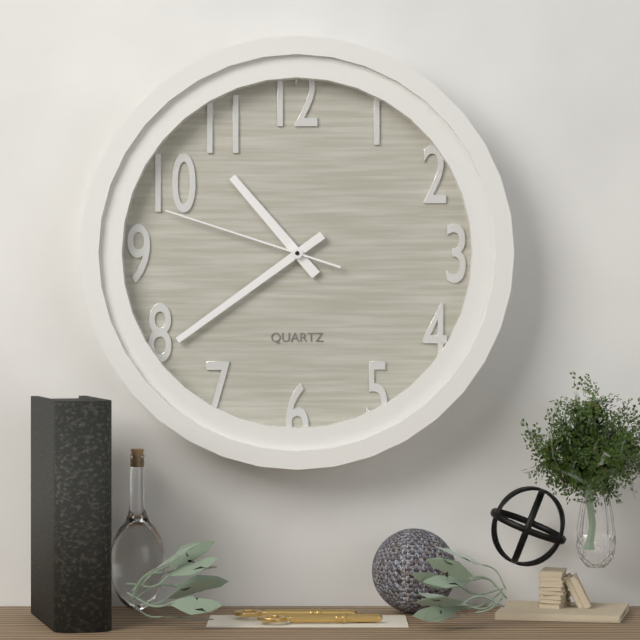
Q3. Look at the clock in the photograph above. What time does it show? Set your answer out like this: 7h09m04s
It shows 10h39m48s
